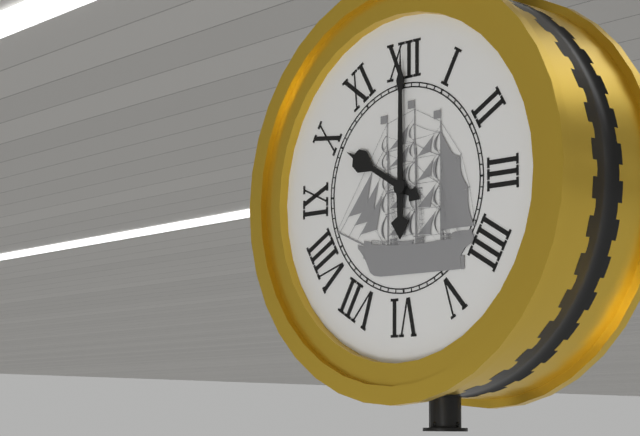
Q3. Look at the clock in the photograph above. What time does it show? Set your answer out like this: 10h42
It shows 10h00
